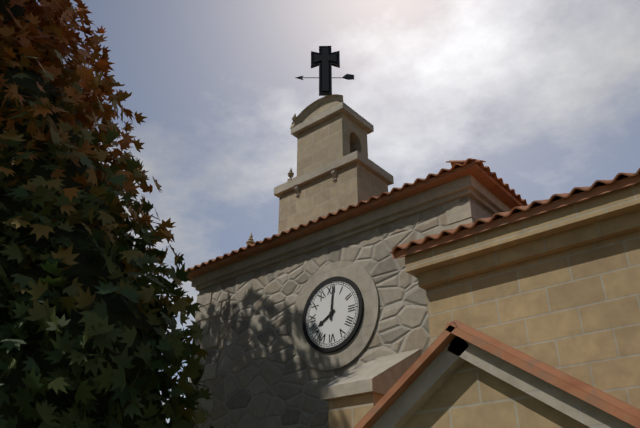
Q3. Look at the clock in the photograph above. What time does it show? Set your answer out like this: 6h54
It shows 8h01
